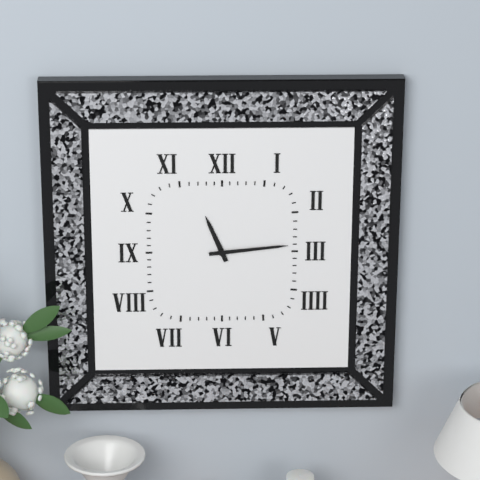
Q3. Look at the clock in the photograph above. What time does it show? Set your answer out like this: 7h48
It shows 11h14
